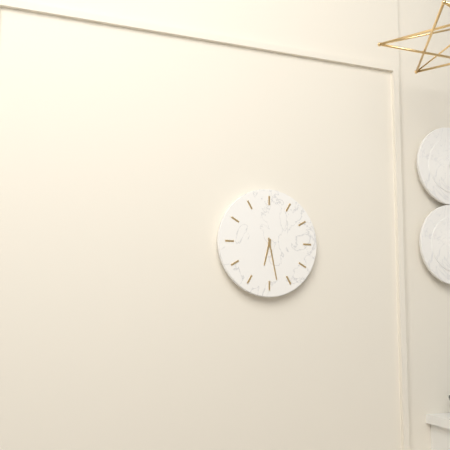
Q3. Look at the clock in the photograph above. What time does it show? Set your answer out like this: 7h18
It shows 6h28
